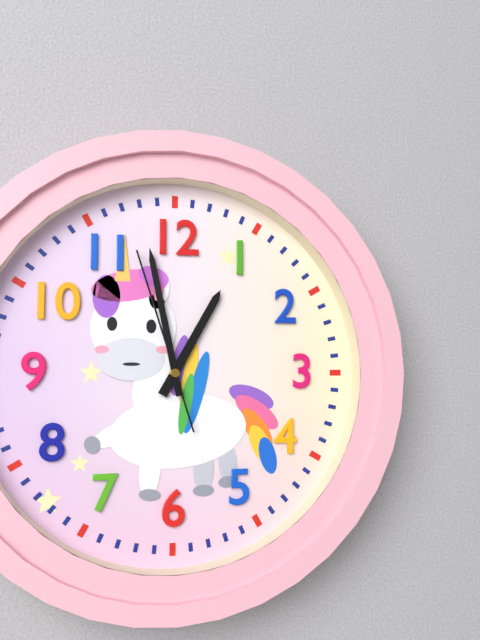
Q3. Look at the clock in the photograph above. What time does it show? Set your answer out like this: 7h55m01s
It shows 12h58m57s
